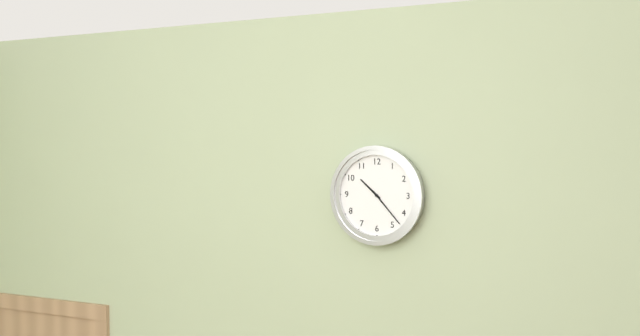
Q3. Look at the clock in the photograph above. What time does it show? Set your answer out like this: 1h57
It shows 10h23
